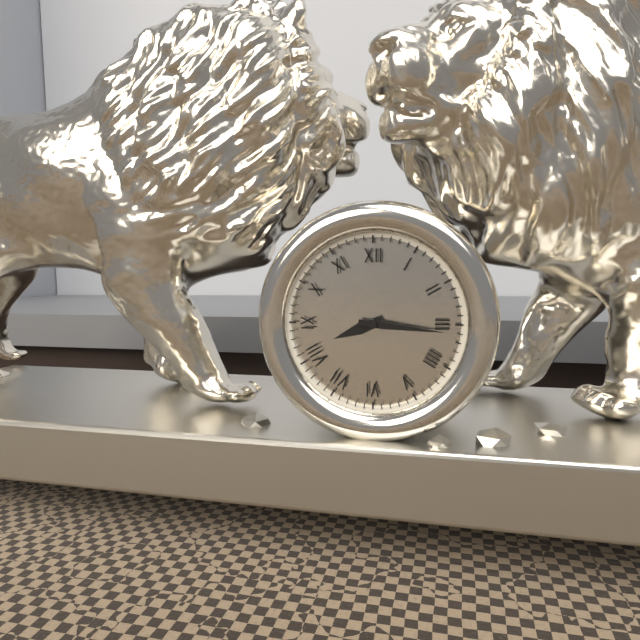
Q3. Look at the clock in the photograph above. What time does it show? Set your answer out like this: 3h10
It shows 8h16
